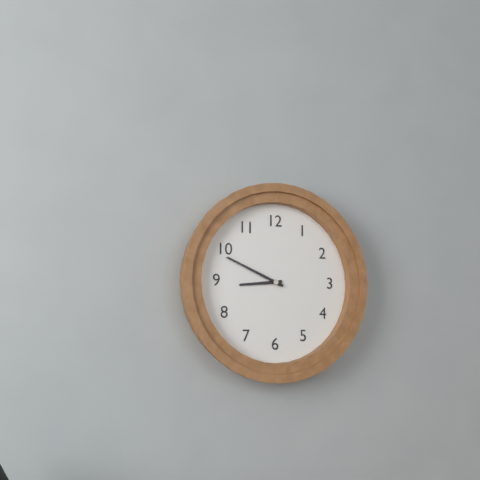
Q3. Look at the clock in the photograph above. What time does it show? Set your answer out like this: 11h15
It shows 8h49
